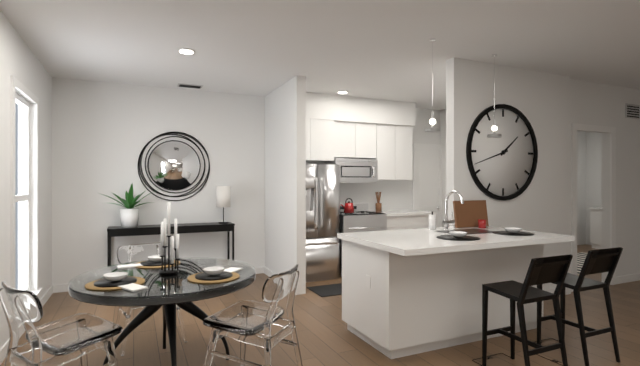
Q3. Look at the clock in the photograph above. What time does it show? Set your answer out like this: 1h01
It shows 1h42
